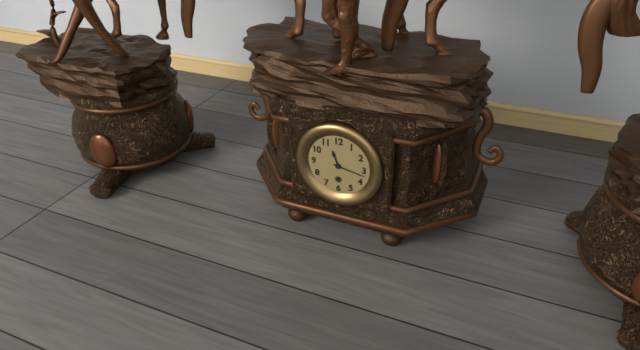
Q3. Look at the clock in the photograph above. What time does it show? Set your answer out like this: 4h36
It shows 11h17
